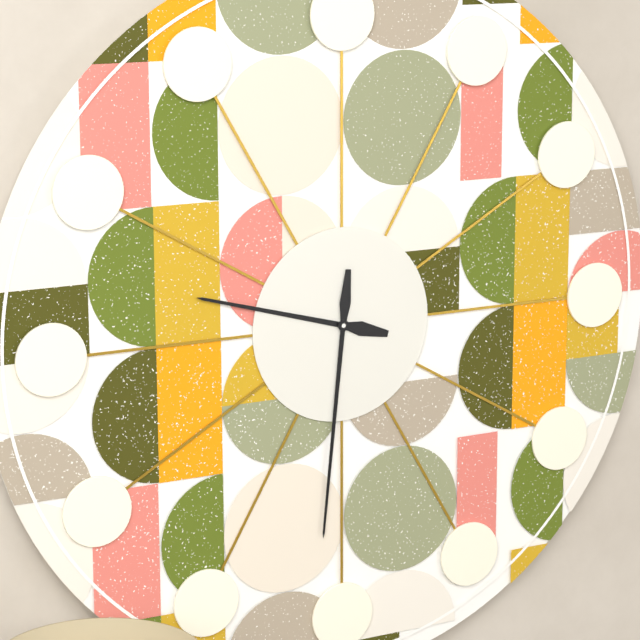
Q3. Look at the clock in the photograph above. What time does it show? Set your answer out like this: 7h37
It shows 9h31
